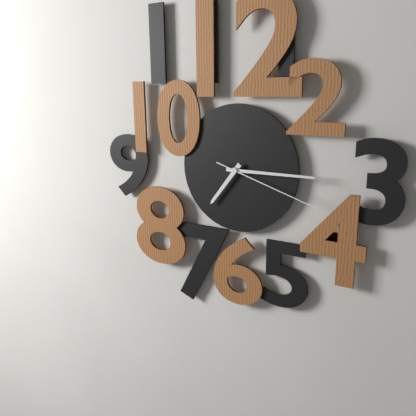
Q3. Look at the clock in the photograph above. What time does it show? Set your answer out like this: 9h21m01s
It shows 7h15m18s
